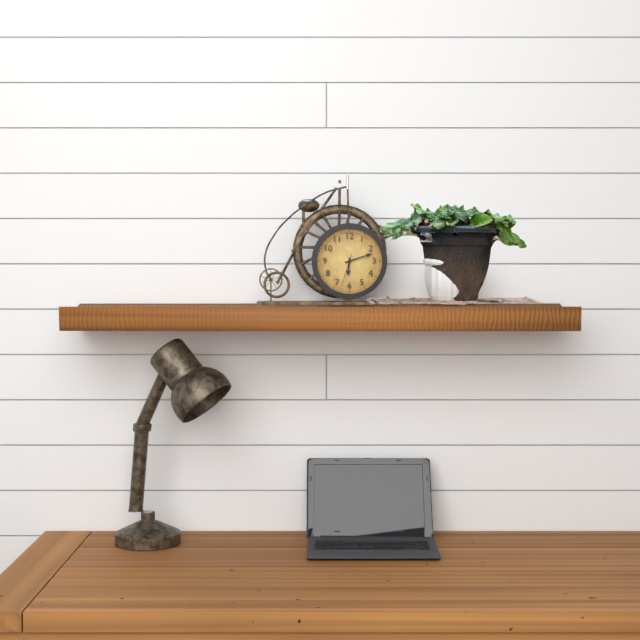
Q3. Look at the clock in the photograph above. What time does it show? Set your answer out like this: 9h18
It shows 6h12
